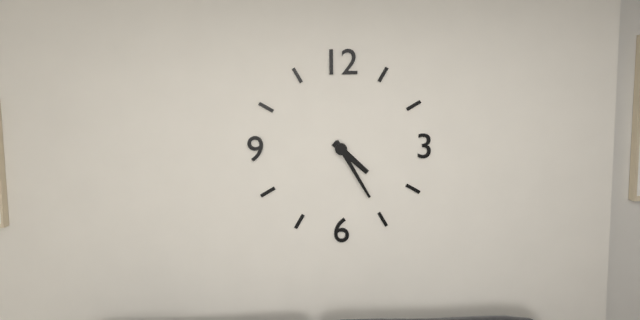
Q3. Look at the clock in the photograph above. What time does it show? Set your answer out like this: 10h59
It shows 4h25
